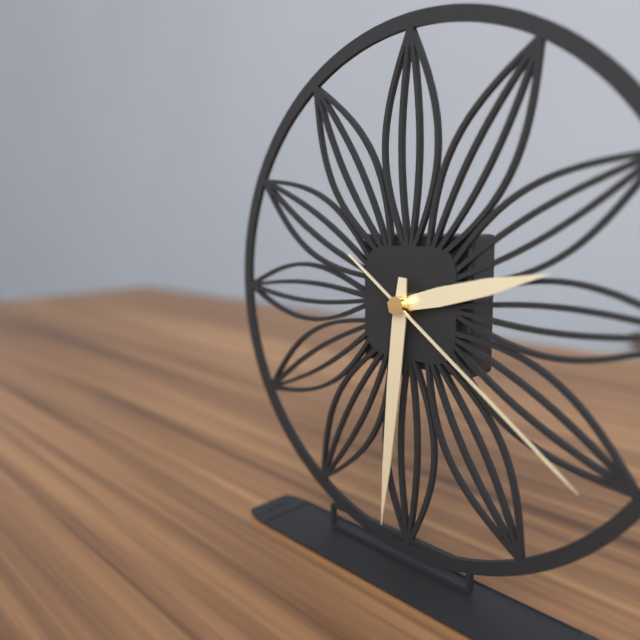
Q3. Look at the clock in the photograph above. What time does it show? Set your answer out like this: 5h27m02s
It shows 2h31m21s
